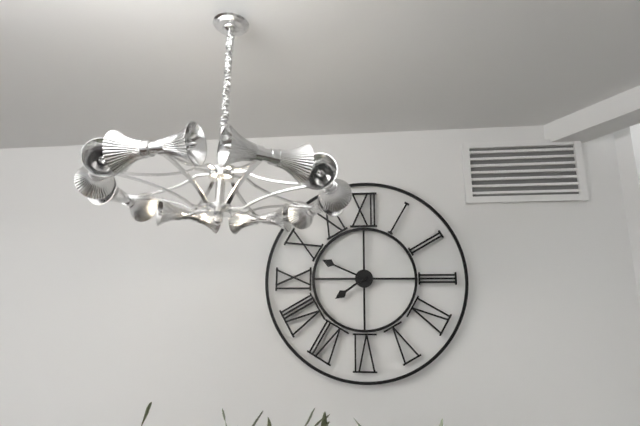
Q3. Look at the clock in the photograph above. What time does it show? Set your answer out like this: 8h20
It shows 7h49
